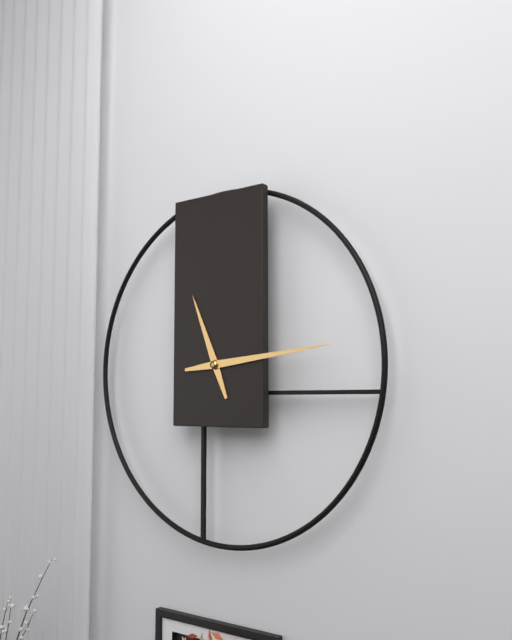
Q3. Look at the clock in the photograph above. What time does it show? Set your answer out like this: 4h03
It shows 11h14
